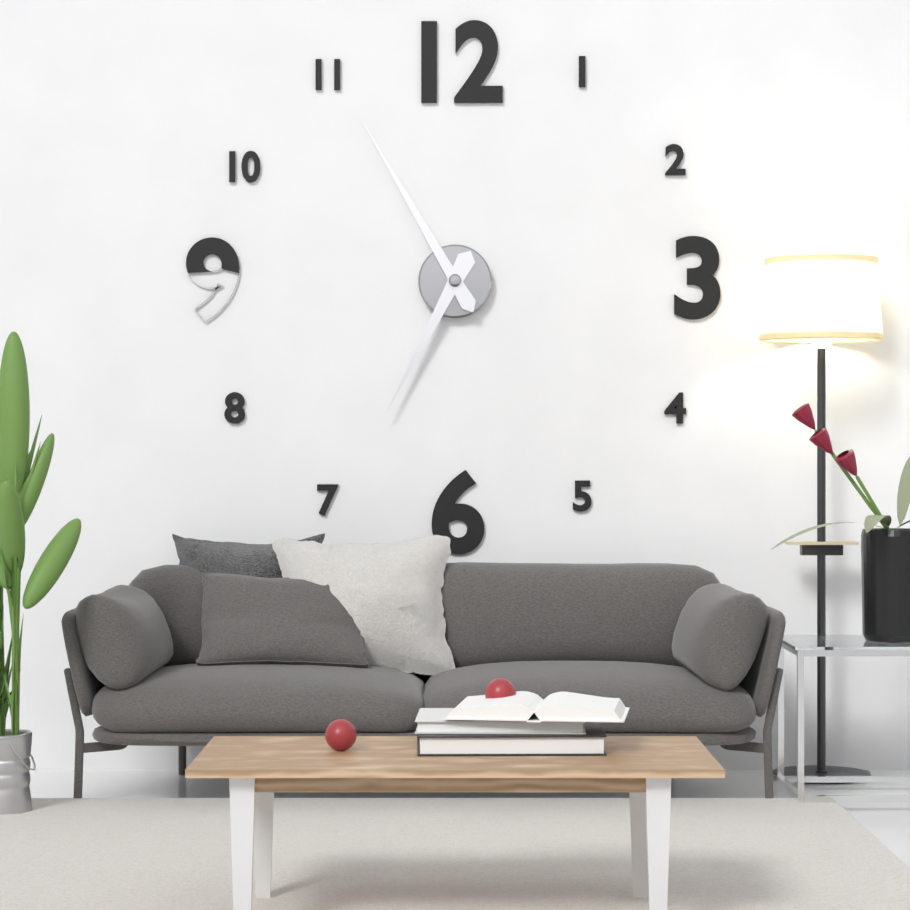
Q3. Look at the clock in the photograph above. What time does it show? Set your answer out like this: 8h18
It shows 6h55
